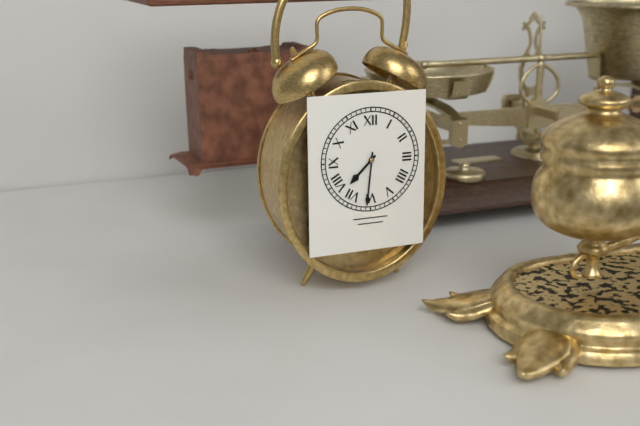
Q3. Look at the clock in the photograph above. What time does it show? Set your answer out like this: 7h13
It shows 7h31
